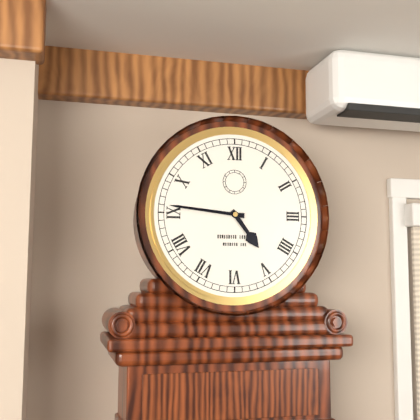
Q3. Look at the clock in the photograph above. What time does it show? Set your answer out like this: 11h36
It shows 4h46
